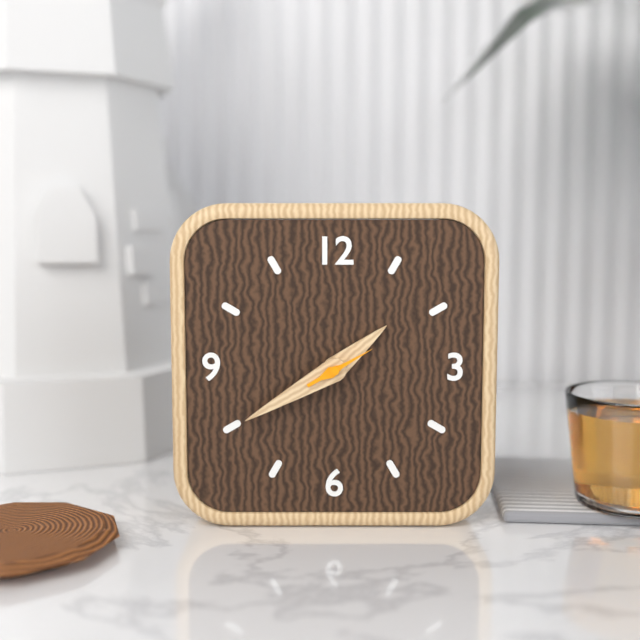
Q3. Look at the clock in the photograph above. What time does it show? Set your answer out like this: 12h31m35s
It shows 1h40m10s
